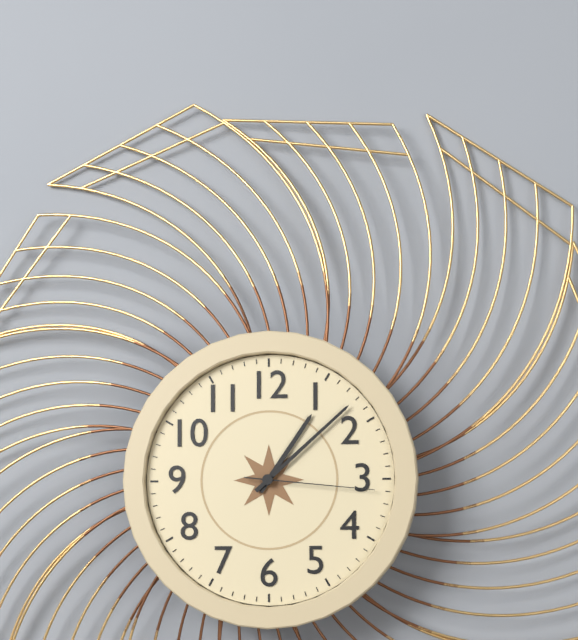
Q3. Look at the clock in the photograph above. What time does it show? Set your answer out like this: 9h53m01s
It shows 1h08m16s
